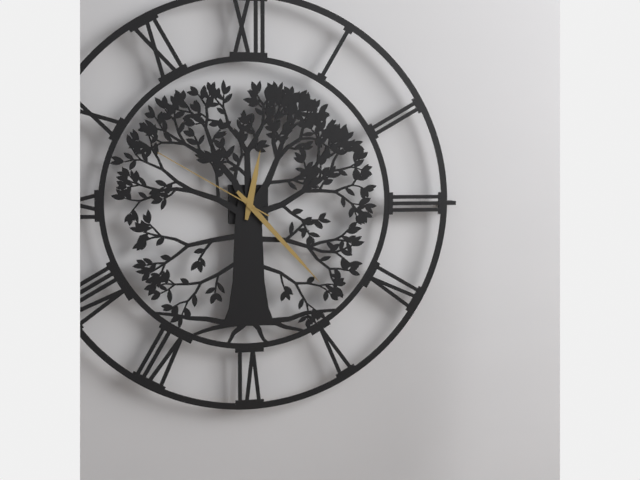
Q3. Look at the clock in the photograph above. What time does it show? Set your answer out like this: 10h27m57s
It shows 12h23m50s
